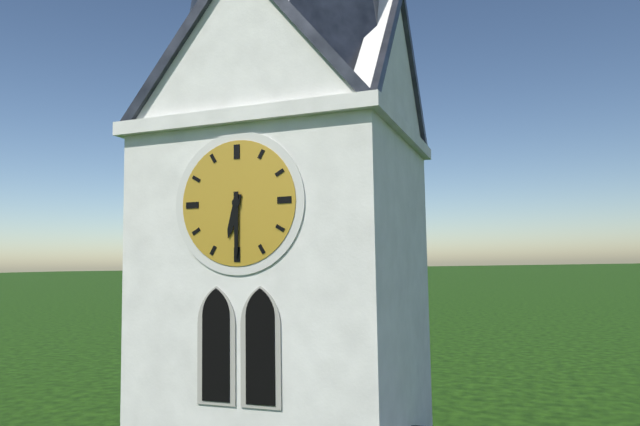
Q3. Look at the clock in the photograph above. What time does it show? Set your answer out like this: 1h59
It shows 6h30
